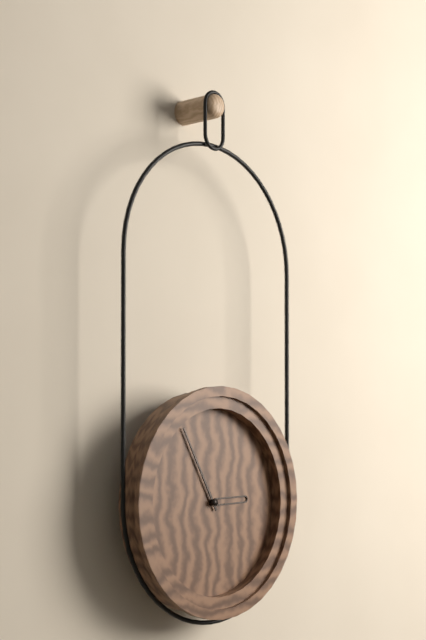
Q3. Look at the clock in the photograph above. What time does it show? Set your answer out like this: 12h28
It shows 2h55
